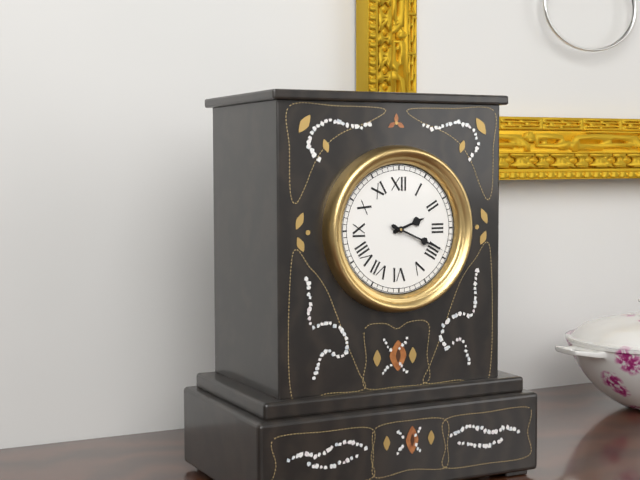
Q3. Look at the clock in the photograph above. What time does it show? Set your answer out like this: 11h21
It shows 2h19
